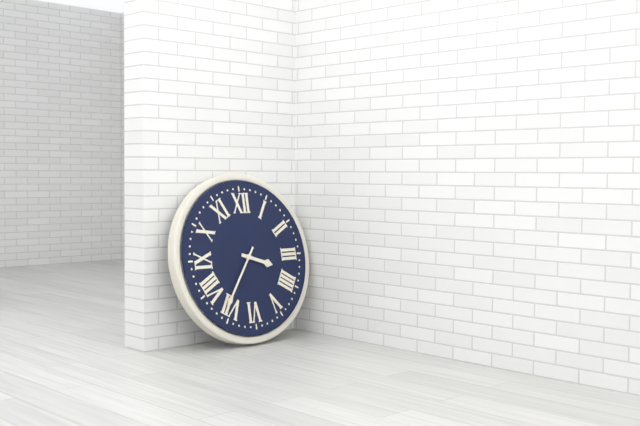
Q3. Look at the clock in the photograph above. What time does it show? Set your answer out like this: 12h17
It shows 3h36
